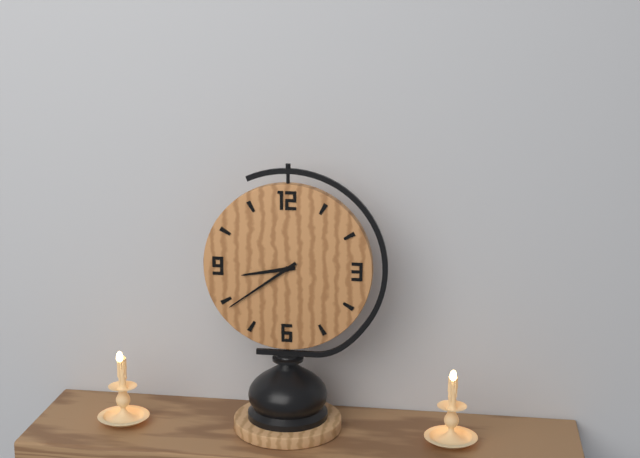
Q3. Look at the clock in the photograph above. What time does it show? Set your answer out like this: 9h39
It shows 8h39
